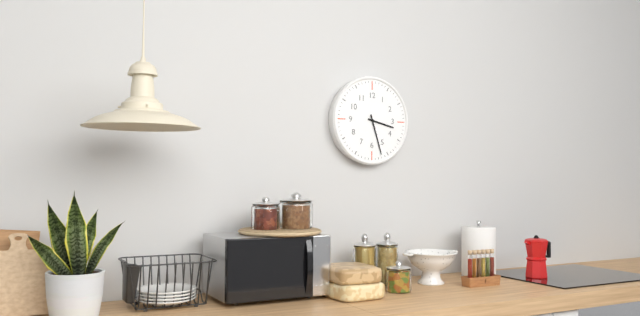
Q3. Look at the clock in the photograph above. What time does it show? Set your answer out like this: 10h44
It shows 3h27
